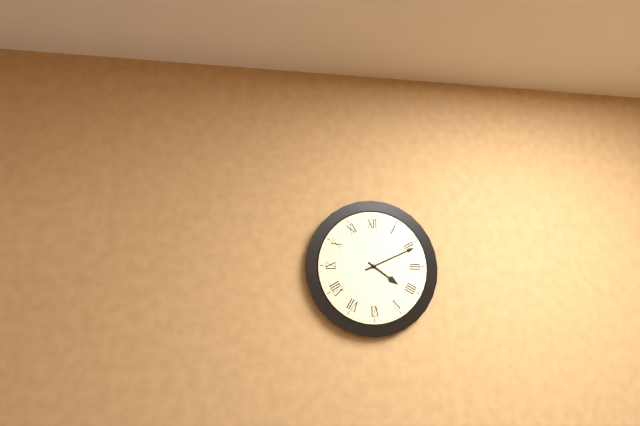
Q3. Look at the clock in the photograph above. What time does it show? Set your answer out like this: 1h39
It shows 4h11
